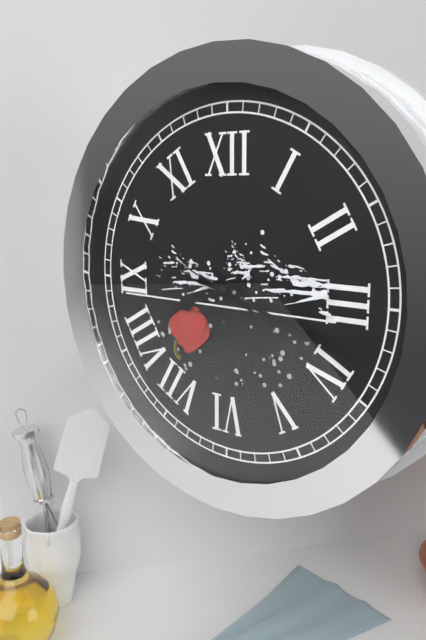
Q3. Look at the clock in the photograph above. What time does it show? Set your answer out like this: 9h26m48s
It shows 8h18m49s
